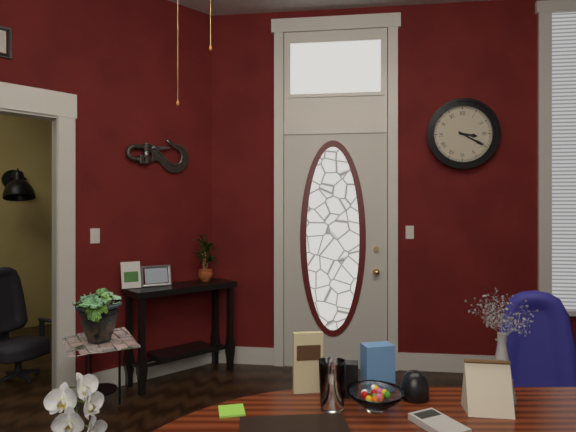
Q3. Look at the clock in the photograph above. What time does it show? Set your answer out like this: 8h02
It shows 3h20
